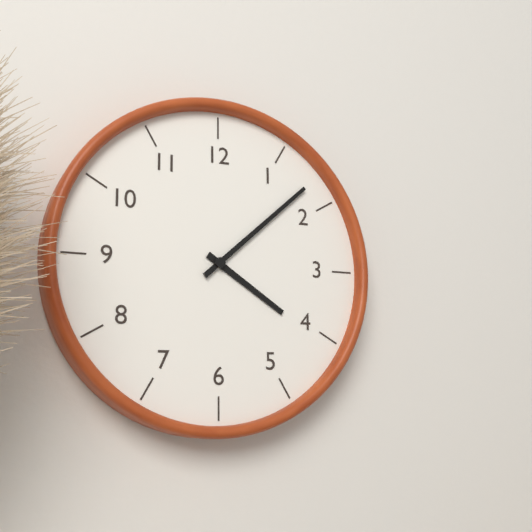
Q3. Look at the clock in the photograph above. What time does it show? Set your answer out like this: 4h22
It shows 4h08
